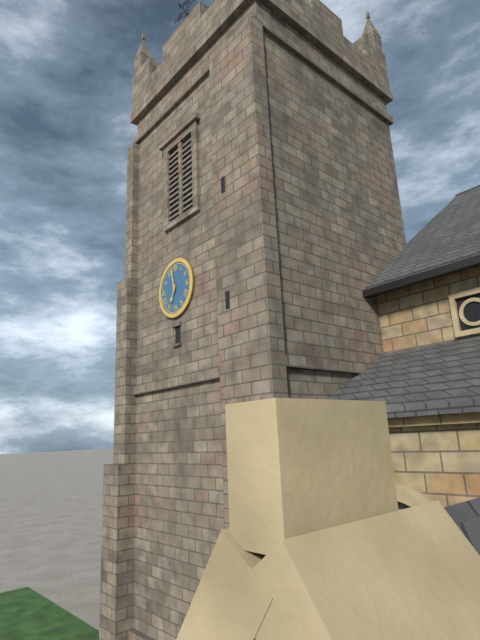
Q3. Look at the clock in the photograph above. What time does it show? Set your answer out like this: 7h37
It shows 6h58
